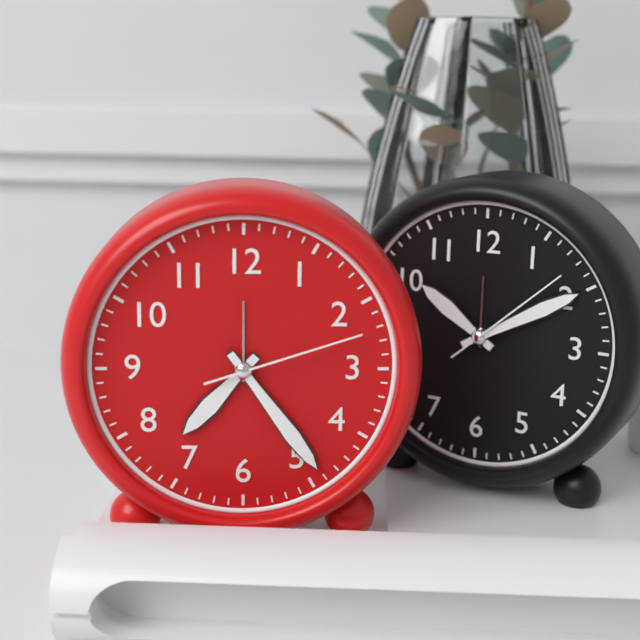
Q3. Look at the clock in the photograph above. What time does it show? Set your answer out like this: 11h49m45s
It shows 7h24m12s
